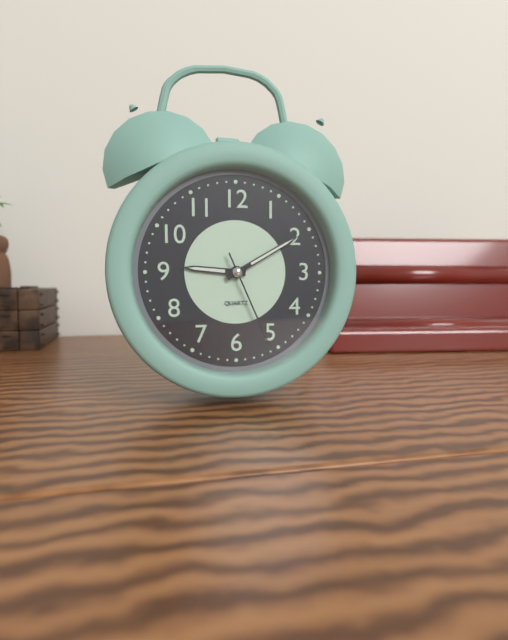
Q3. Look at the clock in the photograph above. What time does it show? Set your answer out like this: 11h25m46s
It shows 9h10m26s
